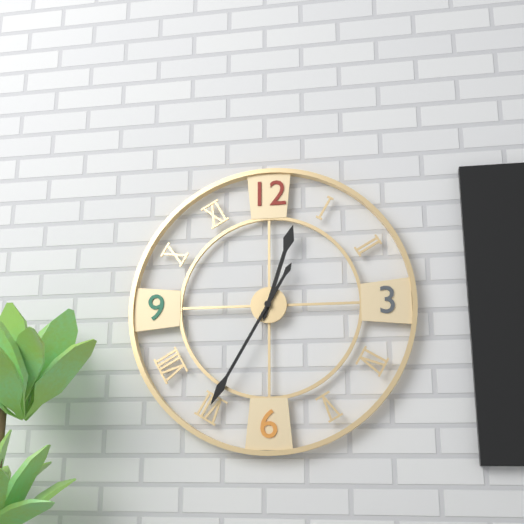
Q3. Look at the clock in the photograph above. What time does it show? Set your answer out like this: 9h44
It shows 12h35
